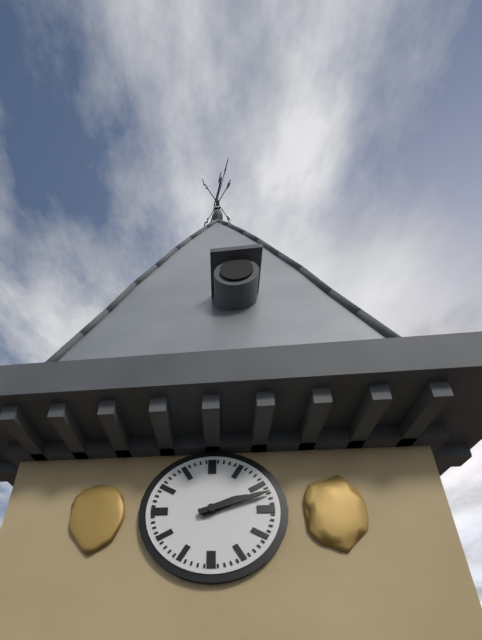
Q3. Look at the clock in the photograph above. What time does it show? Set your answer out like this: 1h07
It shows 2h12
